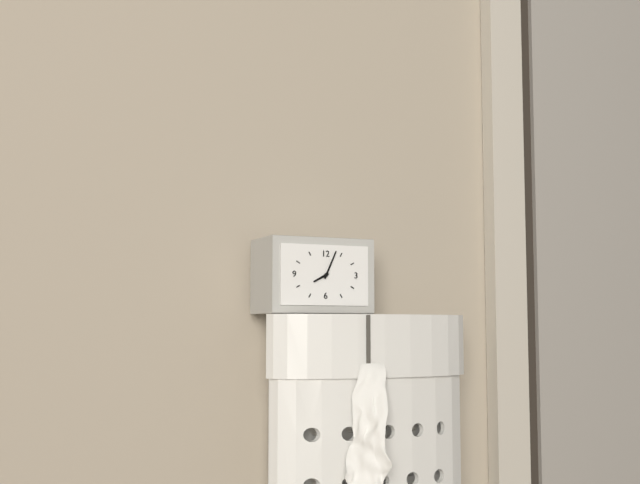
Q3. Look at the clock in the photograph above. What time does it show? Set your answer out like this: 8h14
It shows 8h04
